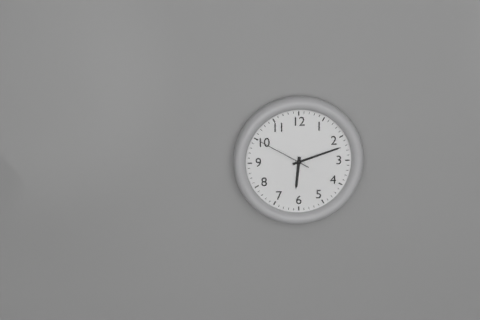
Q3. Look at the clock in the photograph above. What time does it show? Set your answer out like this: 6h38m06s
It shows 6h12m50s
